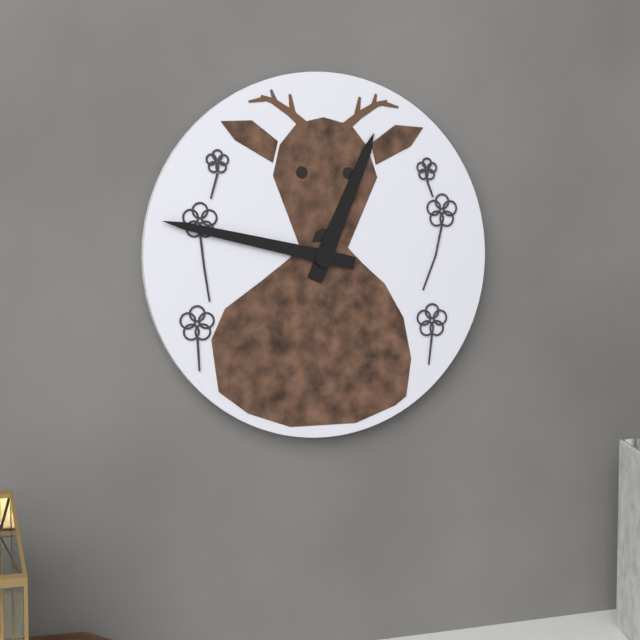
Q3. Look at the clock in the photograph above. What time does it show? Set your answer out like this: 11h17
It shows 12h47
